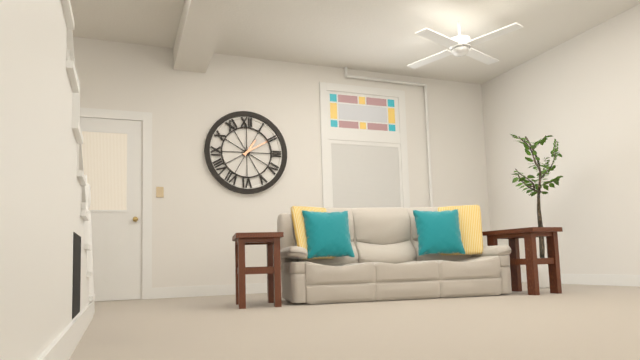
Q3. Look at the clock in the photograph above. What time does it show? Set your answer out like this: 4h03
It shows 1h10
